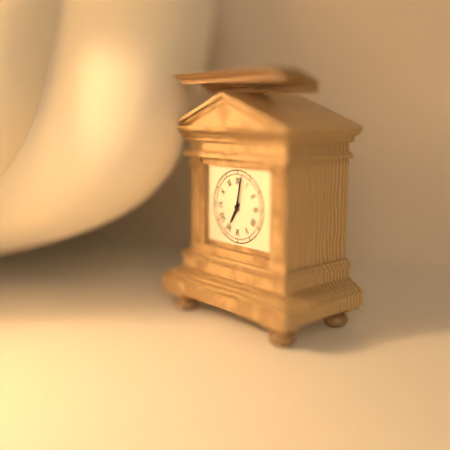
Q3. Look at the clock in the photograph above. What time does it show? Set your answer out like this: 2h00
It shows 7h02
